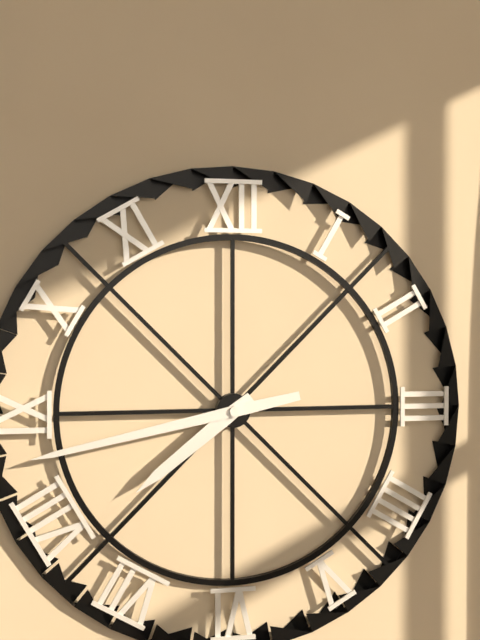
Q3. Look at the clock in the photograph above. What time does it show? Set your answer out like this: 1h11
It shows 7h43
